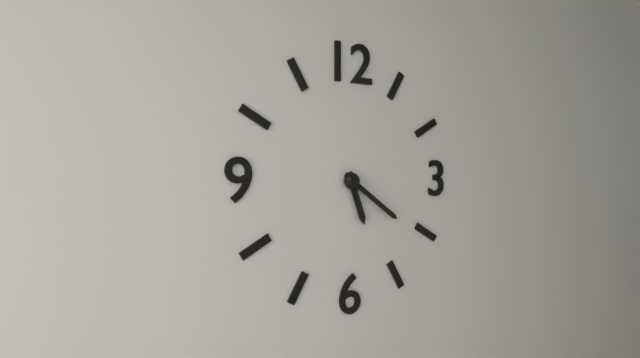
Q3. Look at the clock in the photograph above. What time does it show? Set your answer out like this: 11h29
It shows 5h21
